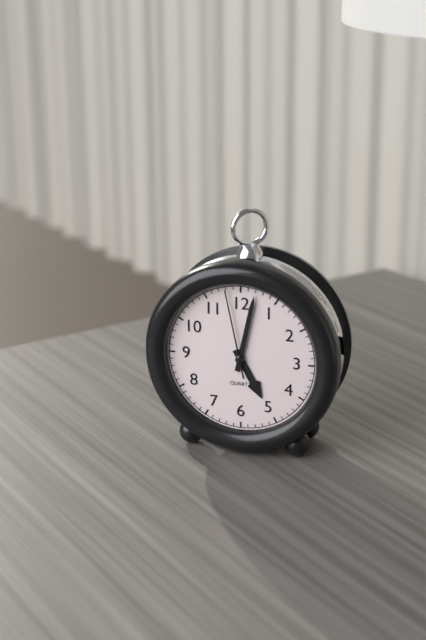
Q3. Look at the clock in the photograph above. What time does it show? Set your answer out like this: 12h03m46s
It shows 5h02m58s
